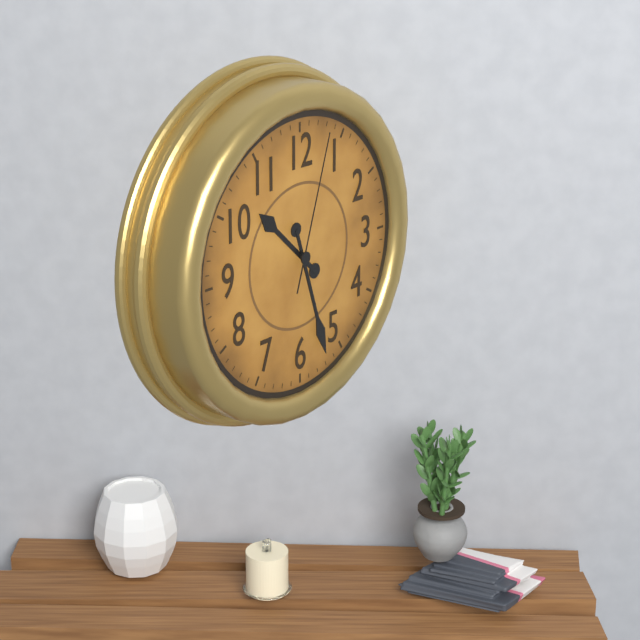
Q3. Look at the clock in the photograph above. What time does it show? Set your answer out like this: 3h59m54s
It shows 10h27m03s
